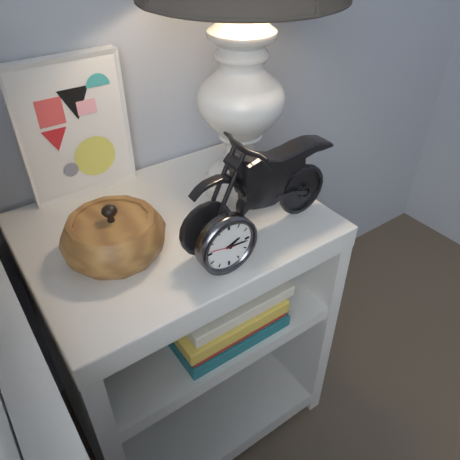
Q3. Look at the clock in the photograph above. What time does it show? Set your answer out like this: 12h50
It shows 2h16
